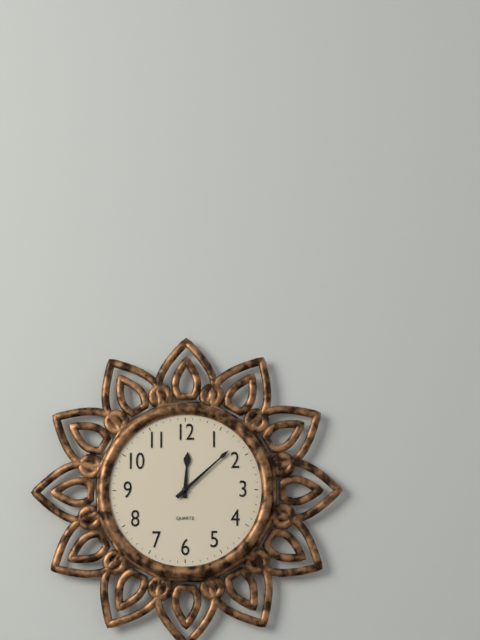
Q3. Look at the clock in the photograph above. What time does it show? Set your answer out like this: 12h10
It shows 12h08
